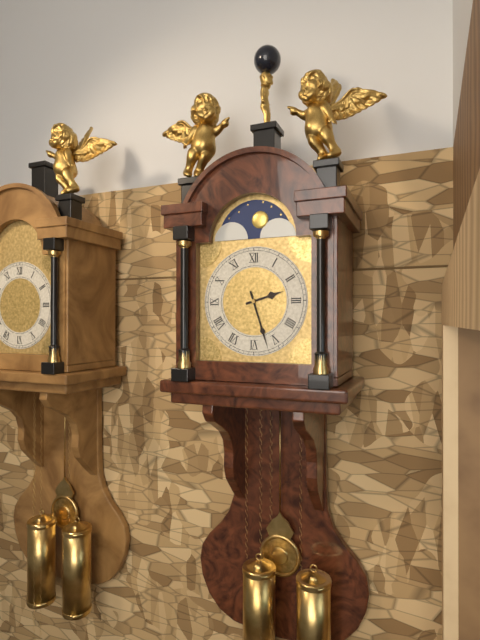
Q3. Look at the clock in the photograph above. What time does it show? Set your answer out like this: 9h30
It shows 2h27
